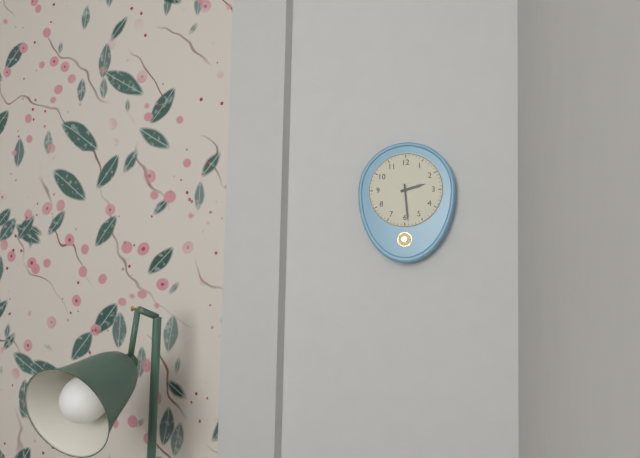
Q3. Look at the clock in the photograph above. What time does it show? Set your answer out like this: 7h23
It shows 2h29
